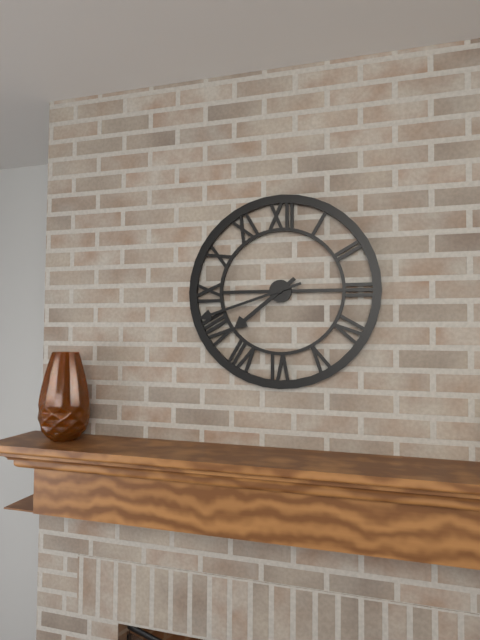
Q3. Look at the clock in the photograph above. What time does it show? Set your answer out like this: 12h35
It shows 7h42
